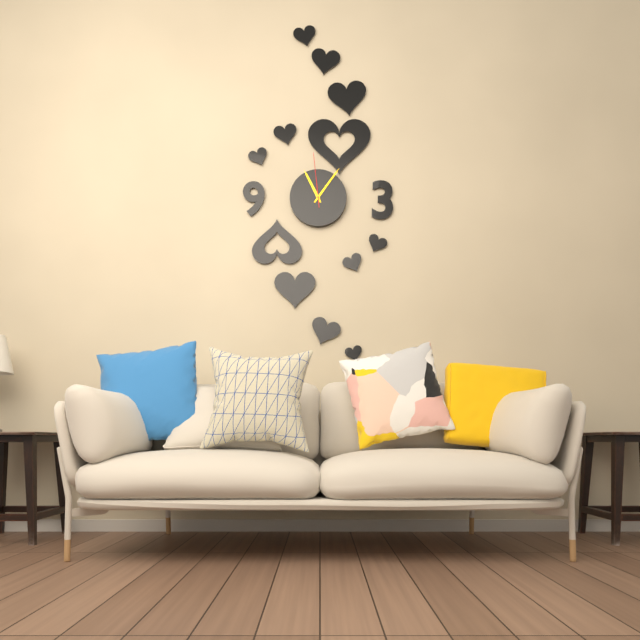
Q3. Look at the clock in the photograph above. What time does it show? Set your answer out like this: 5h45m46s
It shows 11h06m59s
